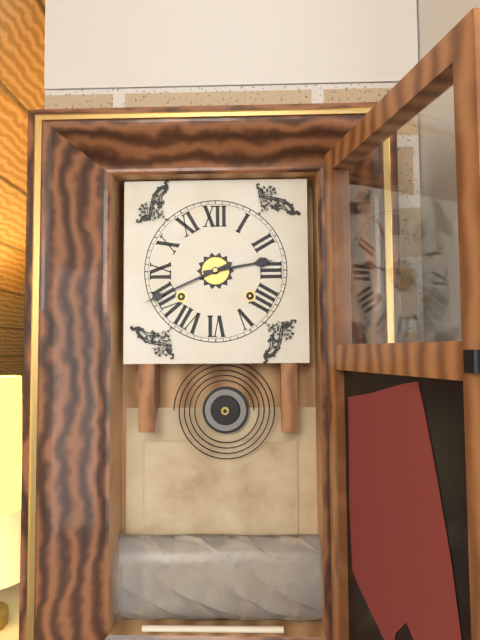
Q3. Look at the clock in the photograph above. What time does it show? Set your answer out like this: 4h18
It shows 2h41
